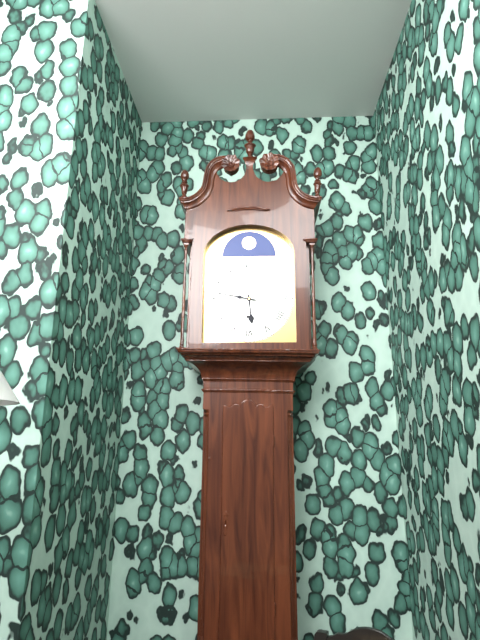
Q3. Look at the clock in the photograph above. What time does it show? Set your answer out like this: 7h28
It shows 5h47
